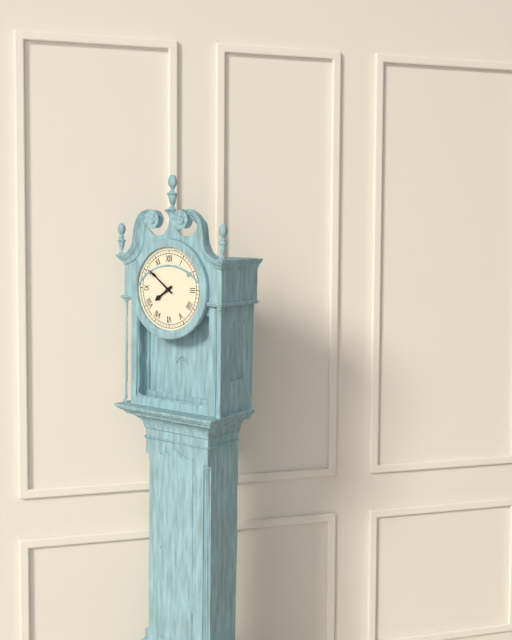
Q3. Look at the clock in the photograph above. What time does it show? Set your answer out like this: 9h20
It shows 7h51
